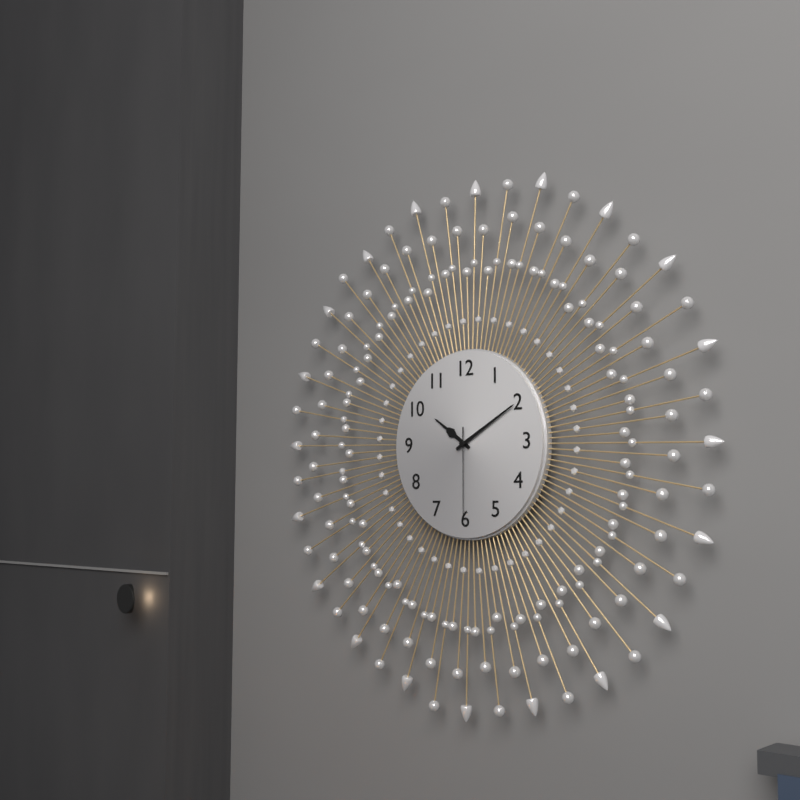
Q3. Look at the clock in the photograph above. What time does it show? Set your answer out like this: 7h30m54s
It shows 10h10m30s
